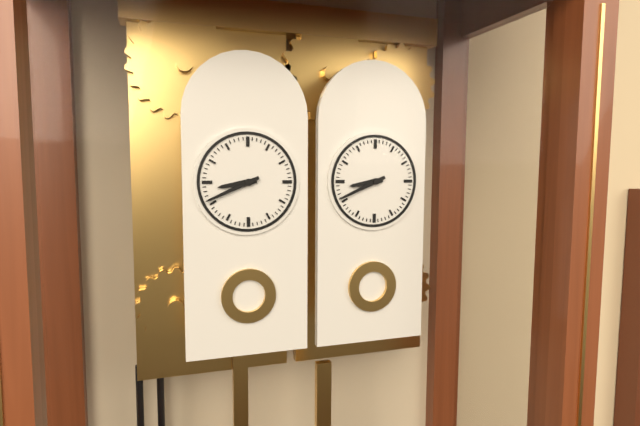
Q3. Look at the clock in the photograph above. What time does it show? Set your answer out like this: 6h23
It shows 8h41
